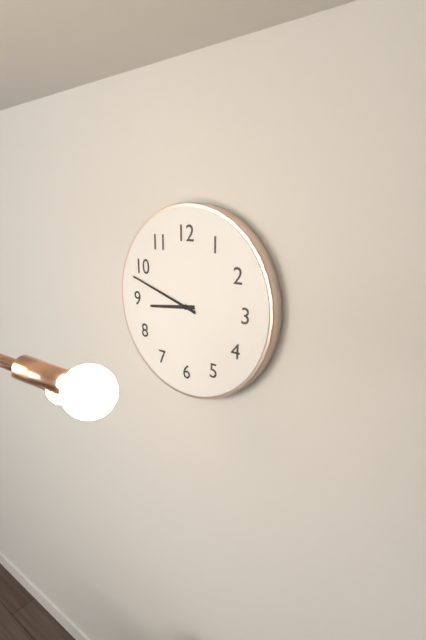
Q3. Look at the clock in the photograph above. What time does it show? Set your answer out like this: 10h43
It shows 8h48
